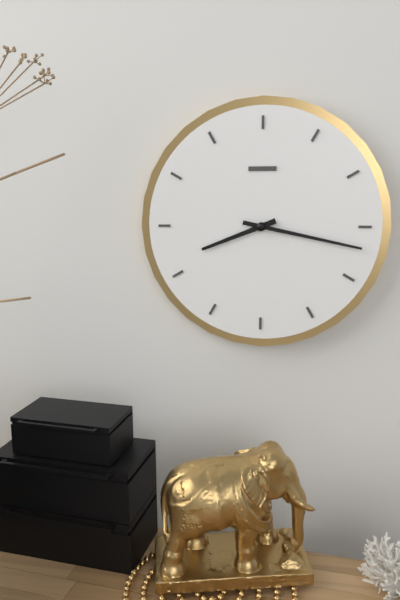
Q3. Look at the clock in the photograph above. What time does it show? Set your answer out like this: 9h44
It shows 8h17
